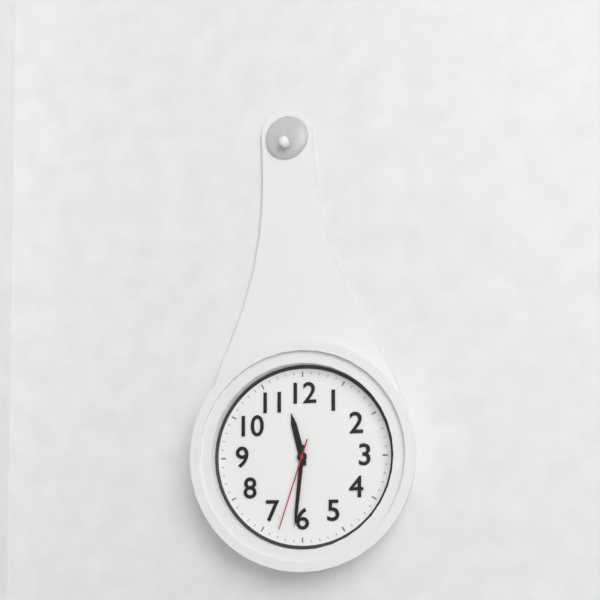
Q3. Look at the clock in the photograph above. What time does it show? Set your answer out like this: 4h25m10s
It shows 11h31m33s
